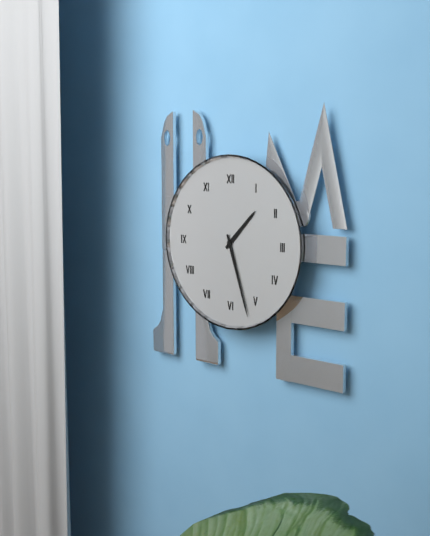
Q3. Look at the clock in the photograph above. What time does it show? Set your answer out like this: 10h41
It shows 1h27
